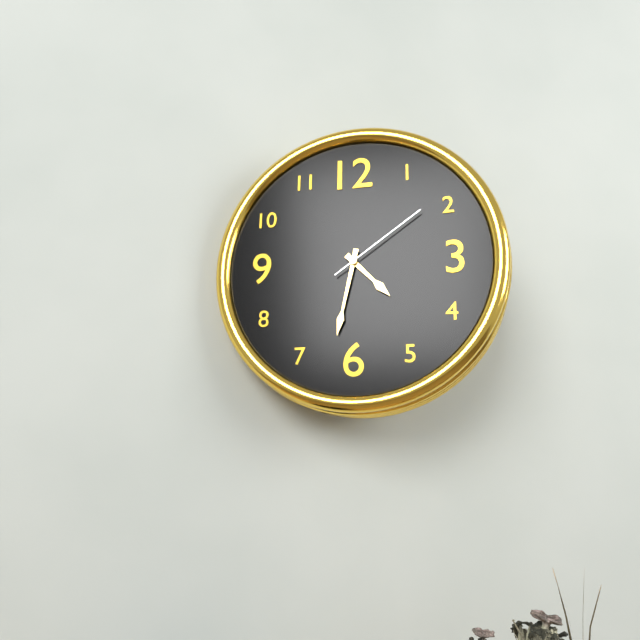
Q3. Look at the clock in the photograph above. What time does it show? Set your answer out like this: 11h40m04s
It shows 4h32m09s
